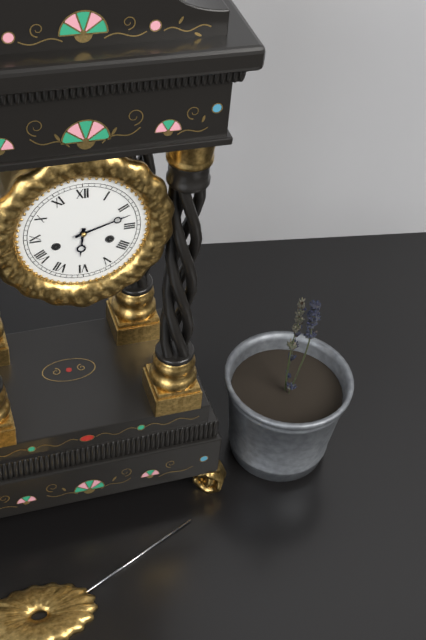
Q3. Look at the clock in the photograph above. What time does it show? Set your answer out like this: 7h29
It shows 6h12
